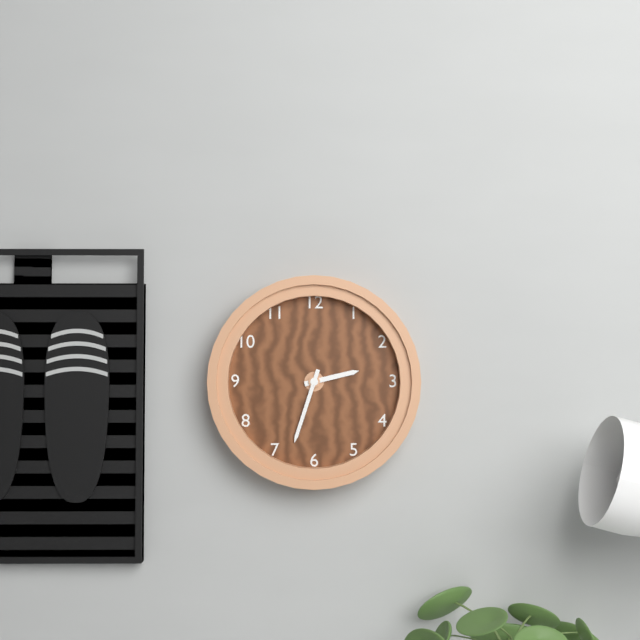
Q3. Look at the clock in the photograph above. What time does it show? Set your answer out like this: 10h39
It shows 2h33
